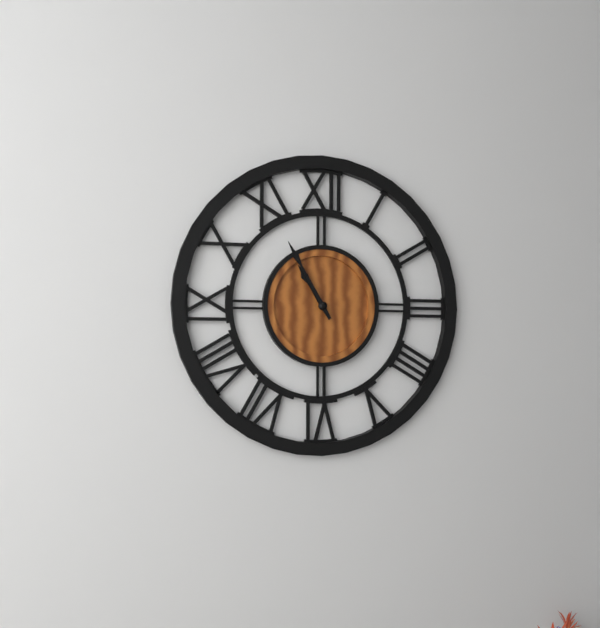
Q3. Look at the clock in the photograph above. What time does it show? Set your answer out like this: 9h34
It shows 10h55
